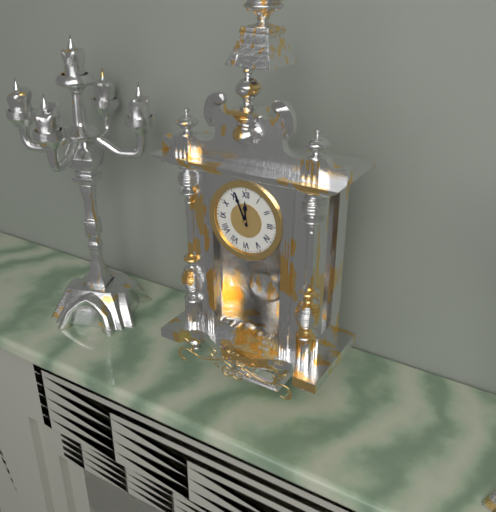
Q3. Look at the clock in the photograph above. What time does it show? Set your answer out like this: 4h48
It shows 11h56
